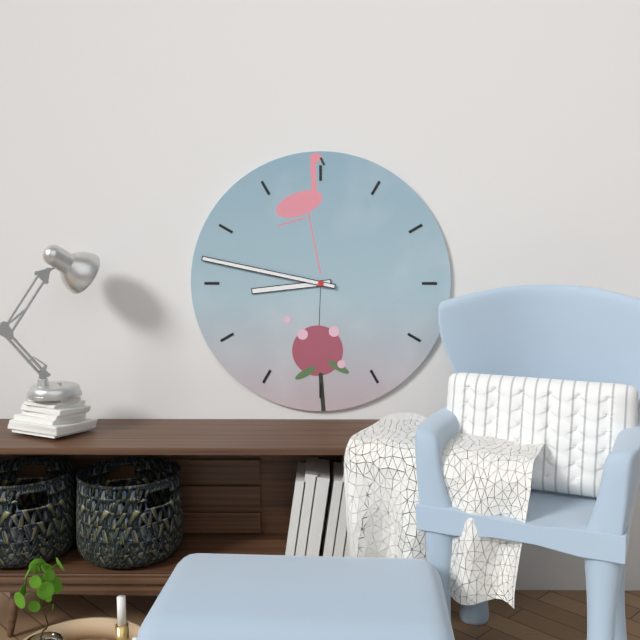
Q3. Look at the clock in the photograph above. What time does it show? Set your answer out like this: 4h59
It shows 8h47
